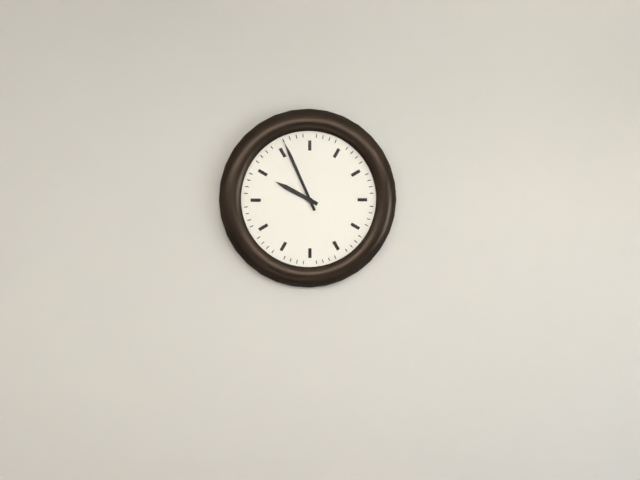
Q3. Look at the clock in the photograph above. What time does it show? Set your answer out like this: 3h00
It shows 9h56
